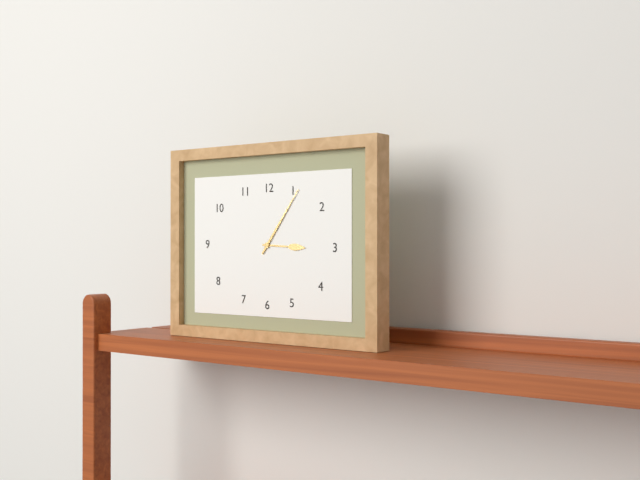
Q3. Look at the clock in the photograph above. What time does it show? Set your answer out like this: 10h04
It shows 3h06
